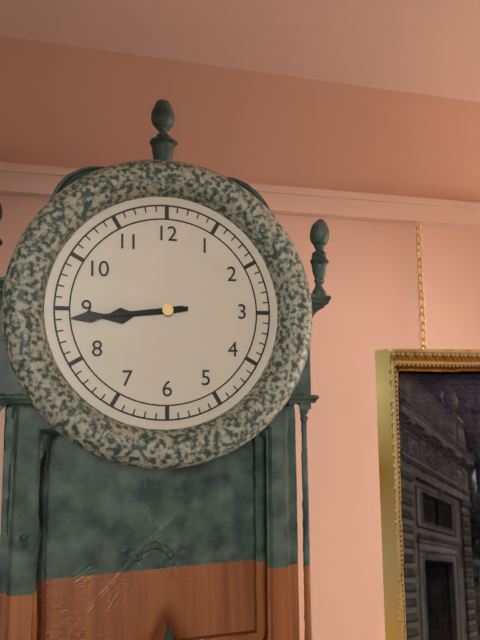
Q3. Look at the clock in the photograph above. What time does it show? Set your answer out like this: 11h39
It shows 8h44
